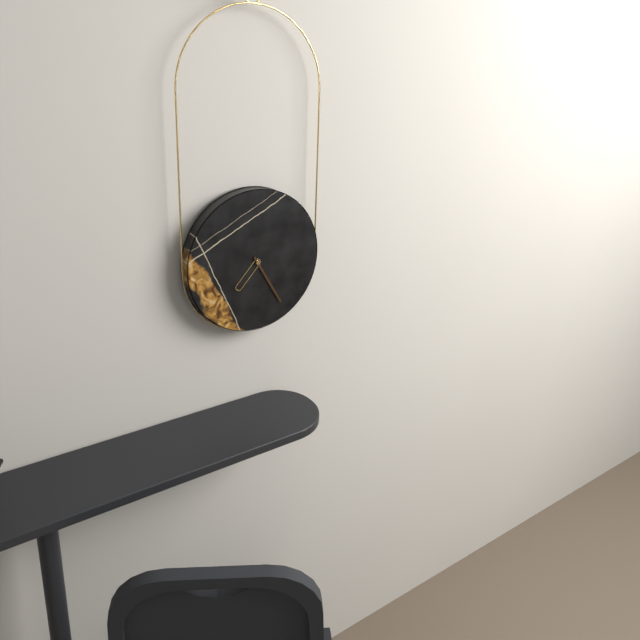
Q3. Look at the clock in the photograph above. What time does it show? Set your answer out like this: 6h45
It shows 7h25
